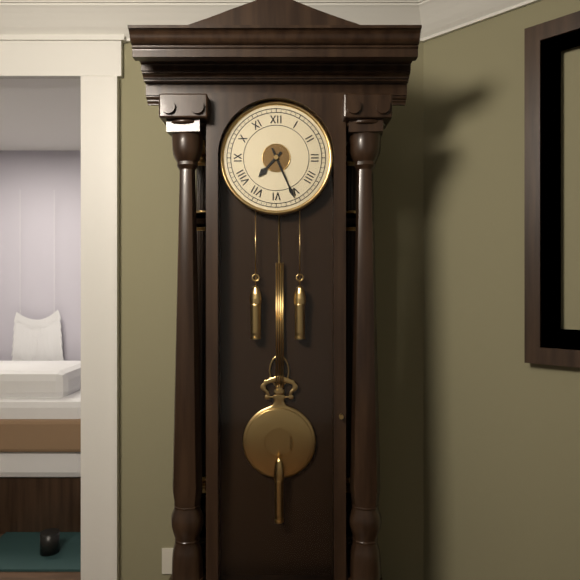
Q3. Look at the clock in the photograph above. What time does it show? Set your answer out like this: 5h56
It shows 7h26
